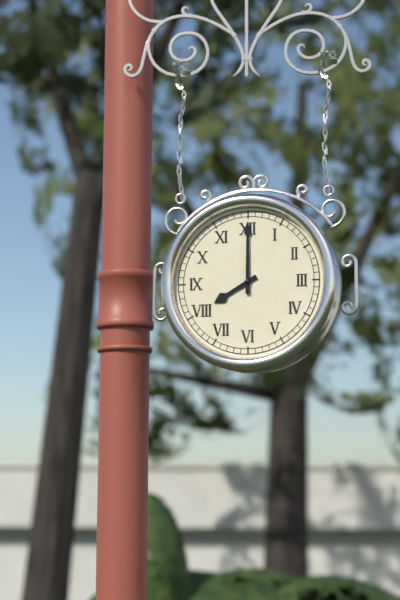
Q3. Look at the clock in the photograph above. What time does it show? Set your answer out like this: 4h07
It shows 8h00
